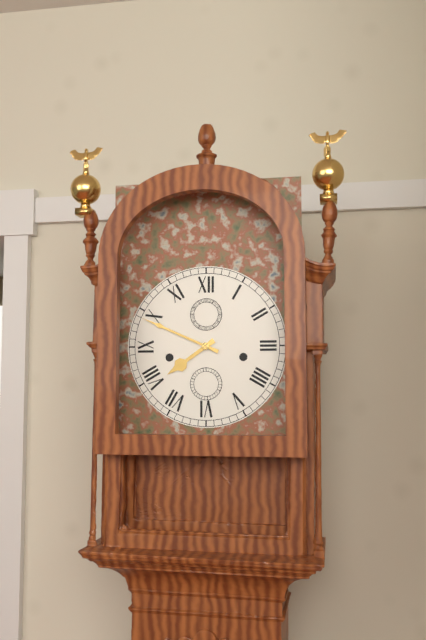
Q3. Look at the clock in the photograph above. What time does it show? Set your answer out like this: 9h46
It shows 7h49
